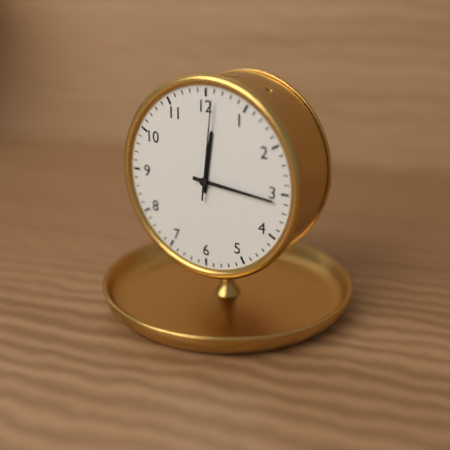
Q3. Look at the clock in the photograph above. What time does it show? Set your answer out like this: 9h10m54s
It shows 12h16m01s
